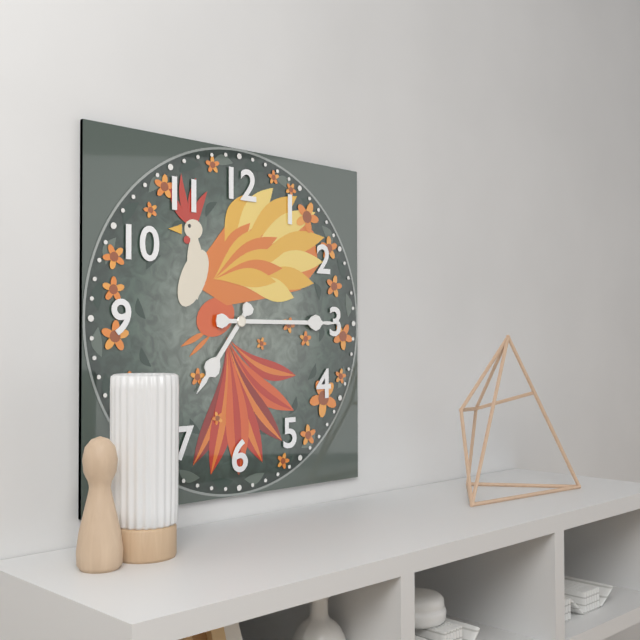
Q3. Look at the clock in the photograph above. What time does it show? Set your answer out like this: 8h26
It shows 7h15
